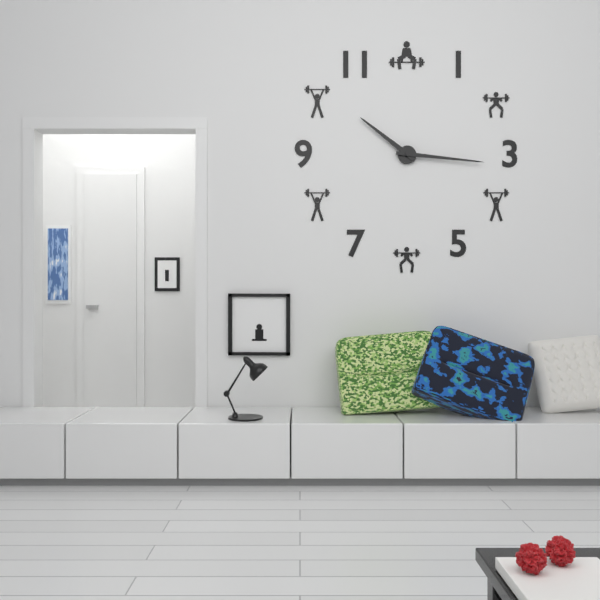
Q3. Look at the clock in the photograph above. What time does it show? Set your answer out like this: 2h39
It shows 10h16
